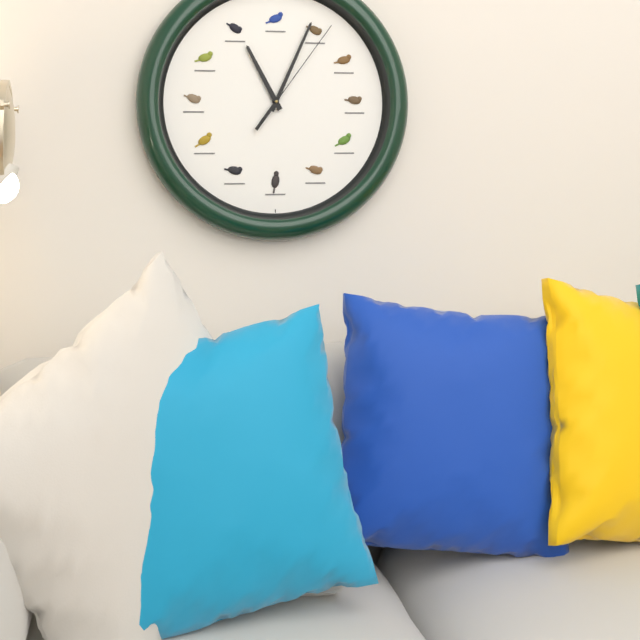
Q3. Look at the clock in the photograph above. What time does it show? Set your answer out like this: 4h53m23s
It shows 11h04m06s
